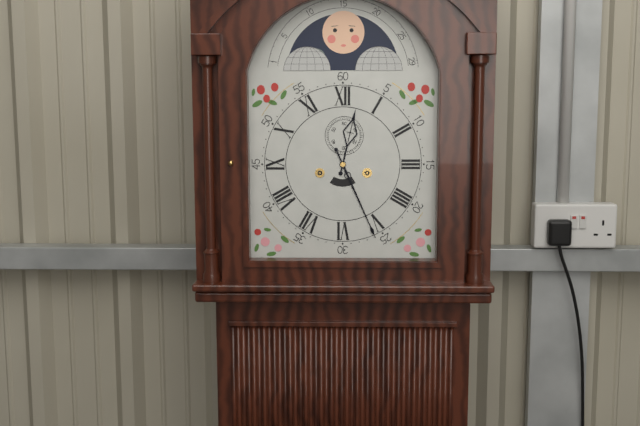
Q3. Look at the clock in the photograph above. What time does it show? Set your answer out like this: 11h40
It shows 12h26
